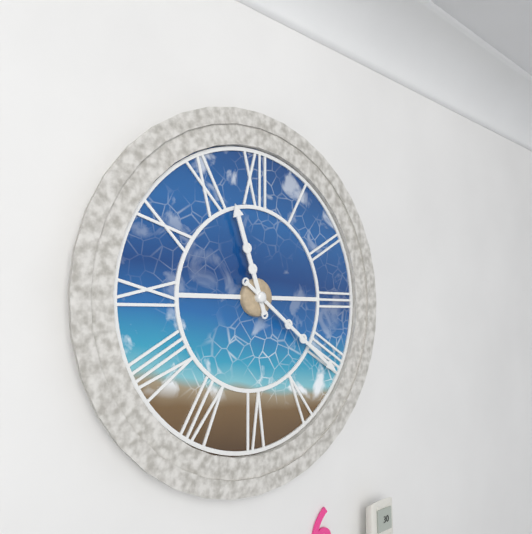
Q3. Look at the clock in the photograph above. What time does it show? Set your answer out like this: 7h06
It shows 11h21
